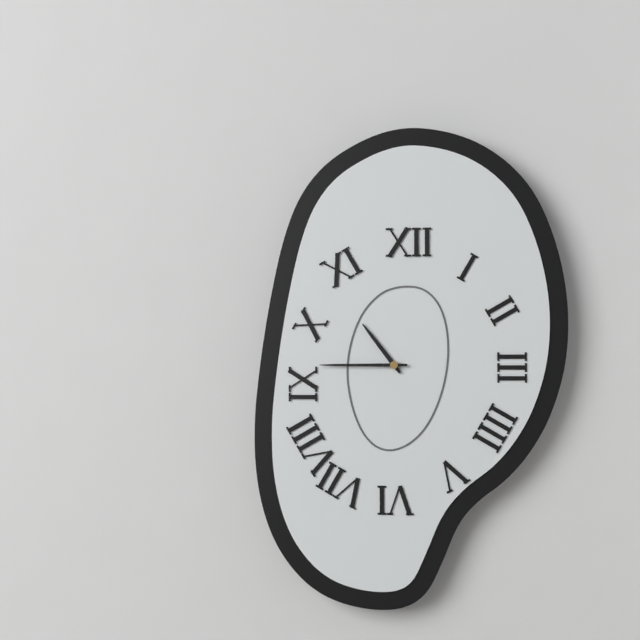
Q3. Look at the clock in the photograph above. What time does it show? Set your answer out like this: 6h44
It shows 10h45
